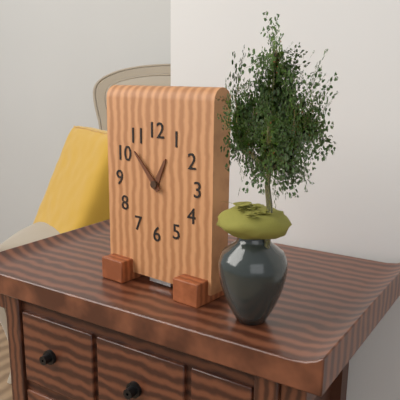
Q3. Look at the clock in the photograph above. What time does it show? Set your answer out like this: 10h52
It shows 12h53
